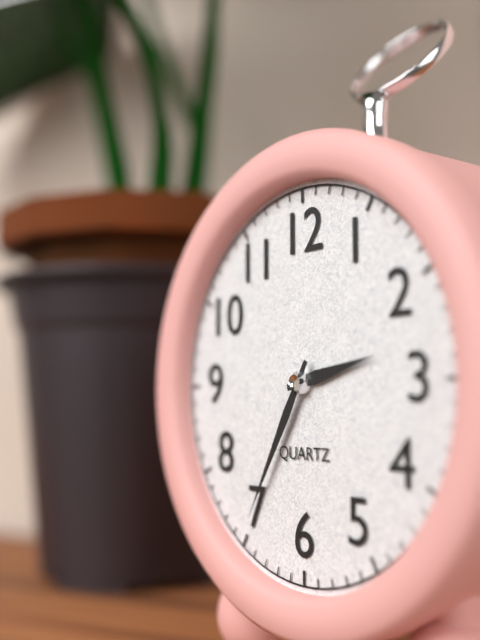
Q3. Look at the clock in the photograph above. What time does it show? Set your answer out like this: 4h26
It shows 2h35
